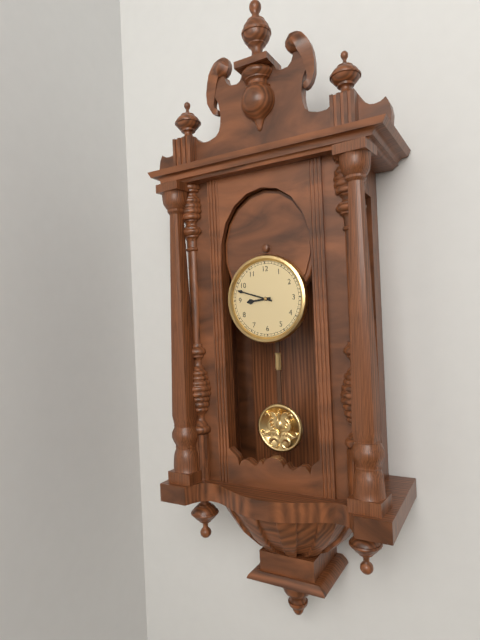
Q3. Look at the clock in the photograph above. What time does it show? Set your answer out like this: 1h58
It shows 8h48
